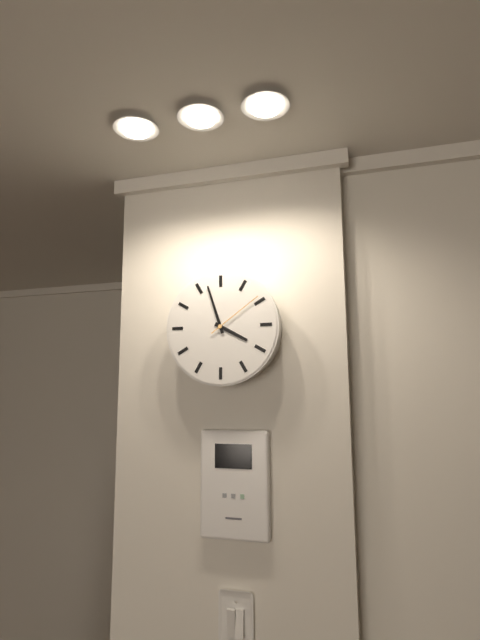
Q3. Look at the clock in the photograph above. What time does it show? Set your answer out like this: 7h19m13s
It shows 3h57m09s
